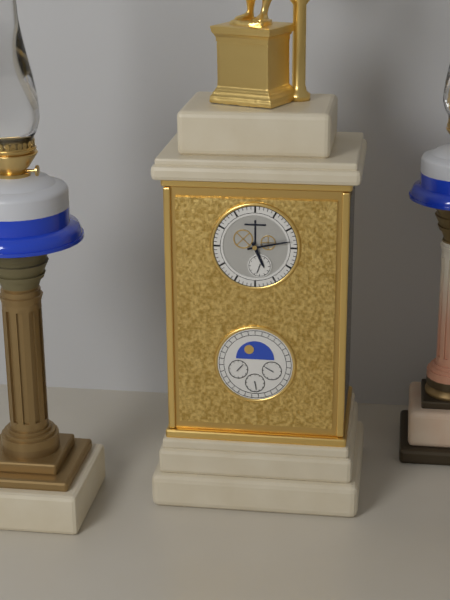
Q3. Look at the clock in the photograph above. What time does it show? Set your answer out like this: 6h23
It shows 5h13
